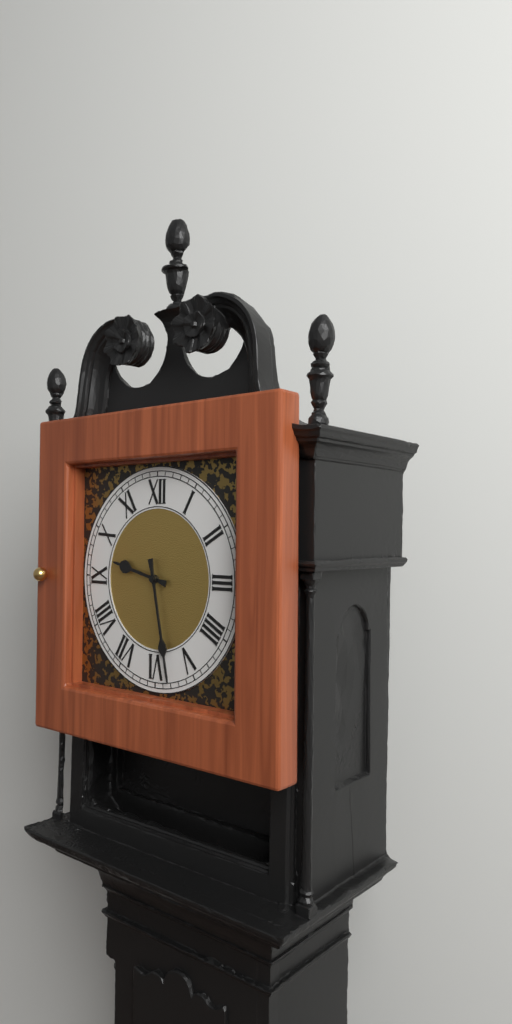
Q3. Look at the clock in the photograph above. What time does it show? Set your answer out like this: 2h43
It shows 9h28
